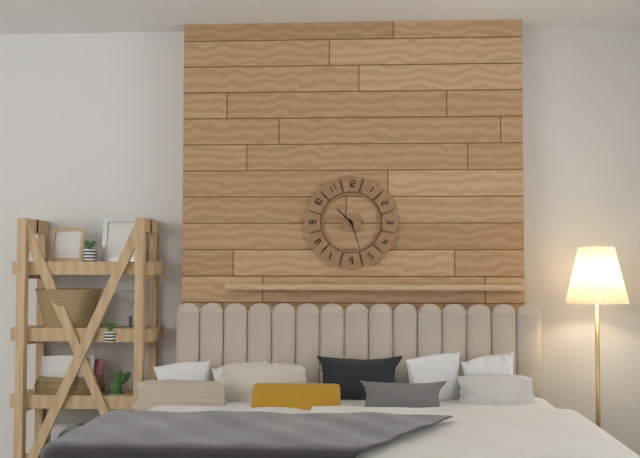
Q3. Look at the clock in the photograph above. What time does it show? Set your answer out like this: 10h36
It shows 10h27
